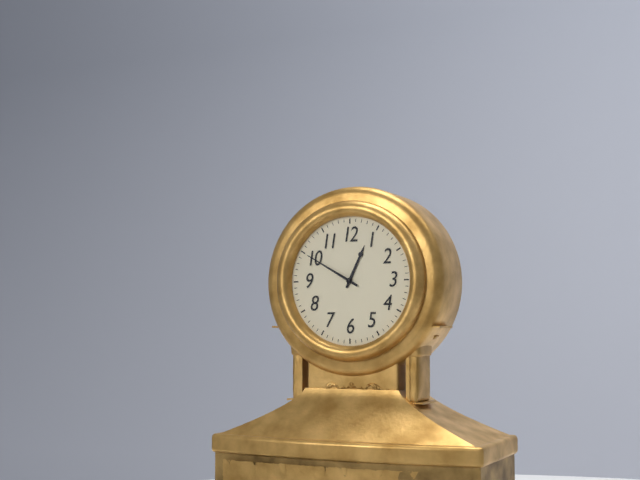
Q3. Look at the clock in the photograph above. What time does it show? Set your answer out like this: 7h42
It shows 12h50
